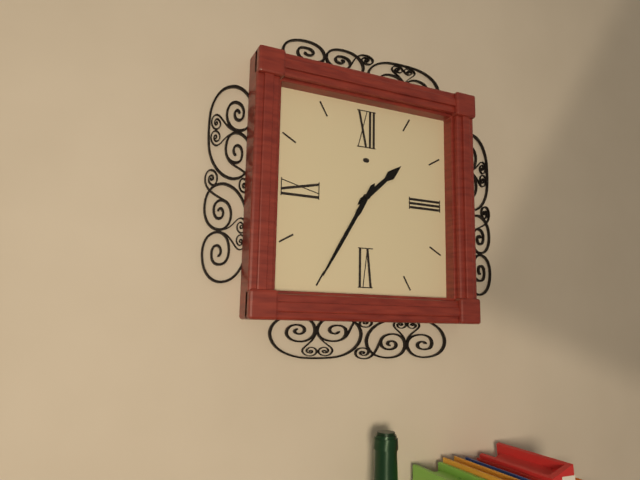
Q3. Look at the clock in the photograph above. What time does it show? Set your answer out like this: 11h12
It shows 1h35
